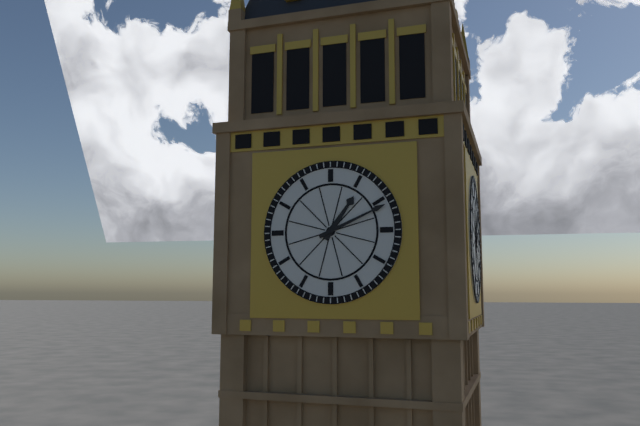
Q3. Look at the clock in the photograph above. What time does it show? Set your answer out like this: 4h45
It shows 1h11
